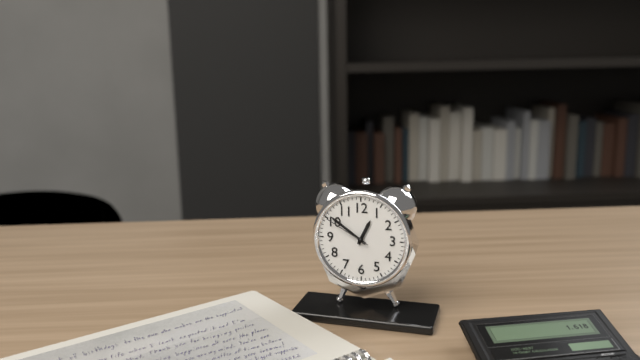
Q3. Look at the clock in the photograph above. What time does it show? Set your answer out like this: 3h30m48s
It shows 12h51m50s
